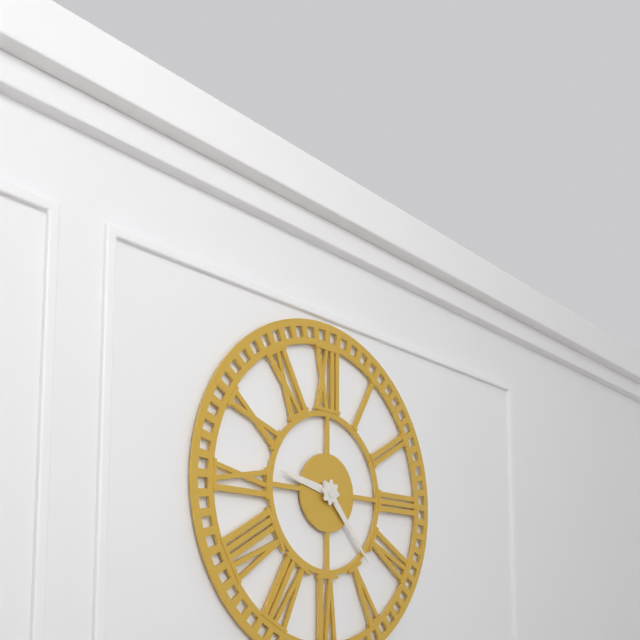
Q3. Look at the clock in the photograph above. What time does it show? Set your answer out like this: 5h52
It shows 9h23
